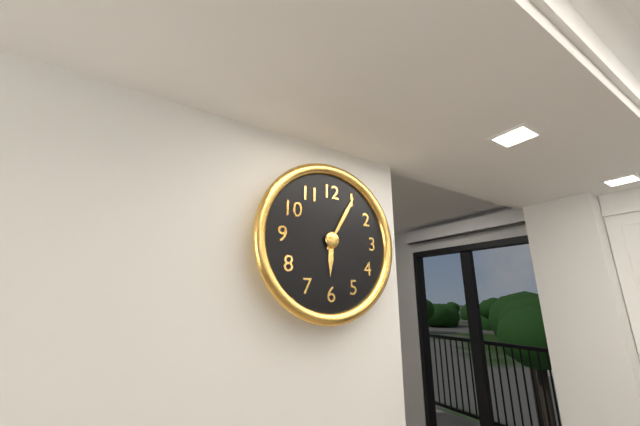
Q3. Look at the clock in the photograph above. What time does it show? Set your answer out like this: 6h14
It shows 6h05
